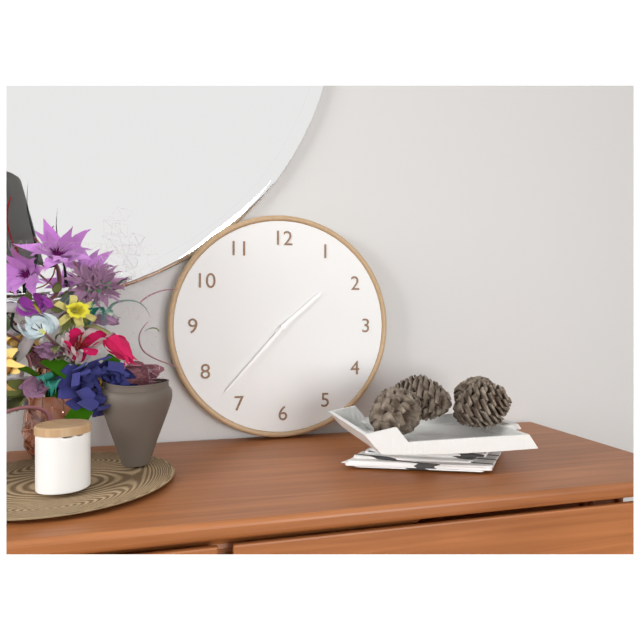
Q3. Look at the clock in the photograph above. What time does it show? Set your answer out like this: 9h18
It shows 1h37
